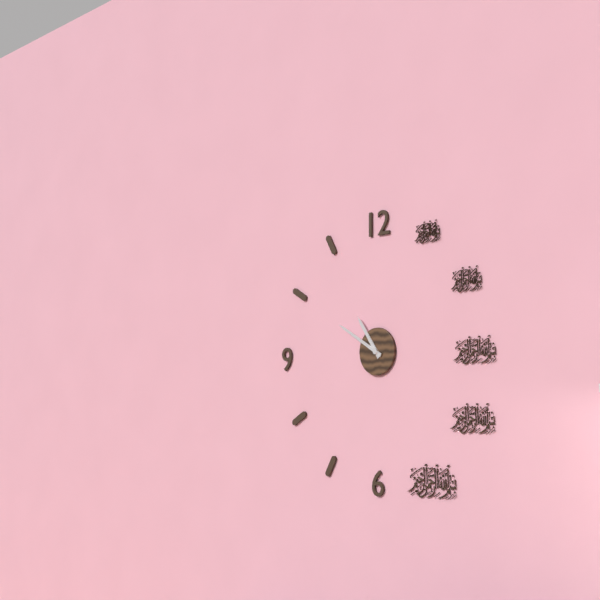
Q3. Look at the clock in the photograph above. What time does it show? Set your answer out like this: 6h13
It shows 10h50
